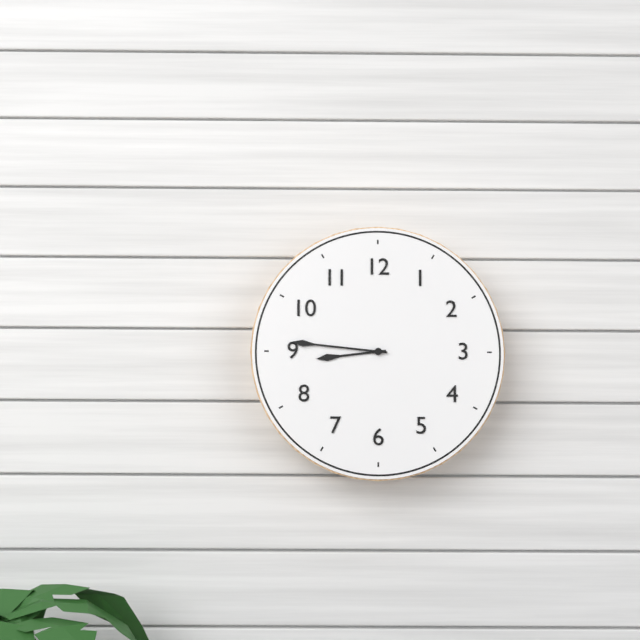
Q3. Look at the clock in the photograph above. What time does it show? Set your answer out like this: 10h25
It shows 8h46
